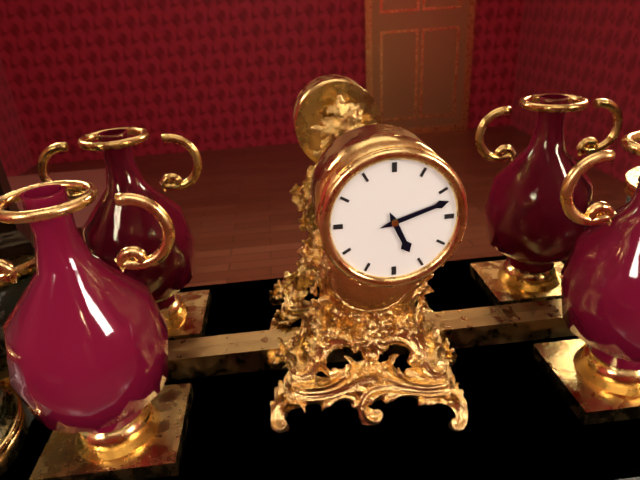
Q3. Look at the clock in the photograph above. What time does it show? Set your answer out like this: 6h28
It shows 5h12
